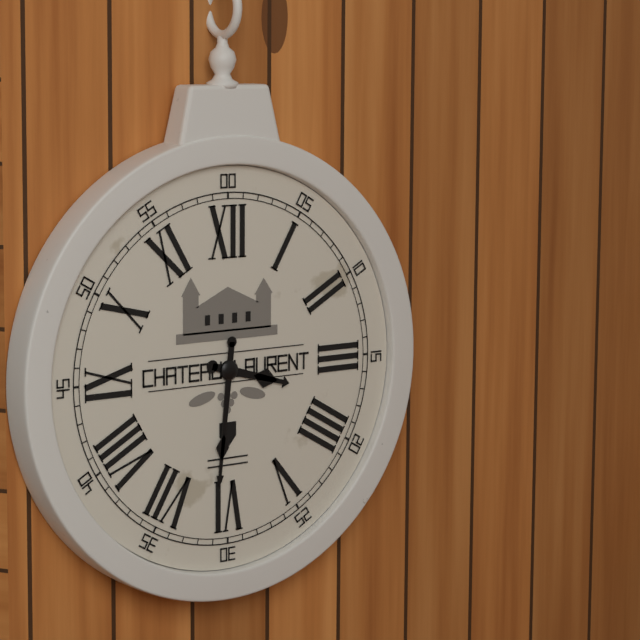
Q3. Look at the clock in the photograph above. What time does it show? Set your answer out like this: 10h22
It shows 3h31
